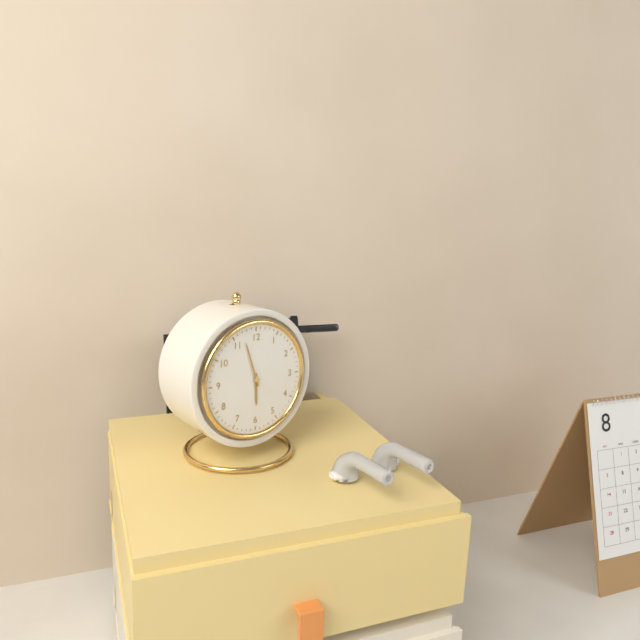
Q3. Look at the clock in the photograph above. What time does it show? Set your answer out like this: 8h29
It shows 5h57
